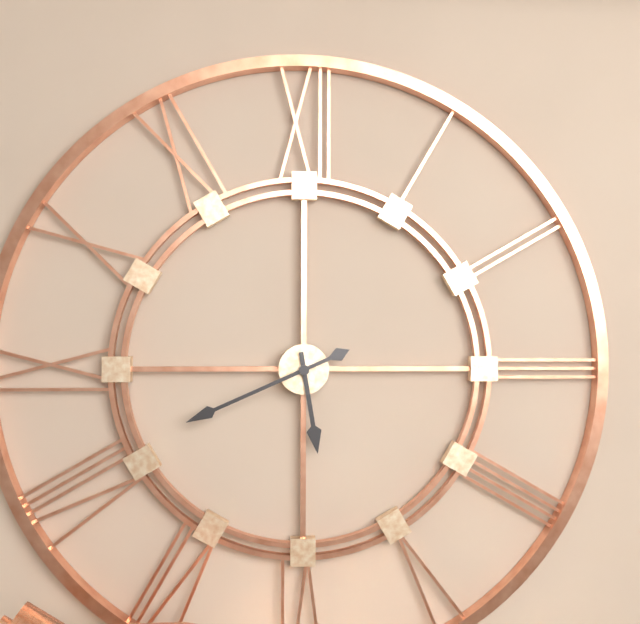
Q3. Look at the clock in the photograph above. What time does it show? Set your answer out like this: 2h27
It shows 5h41
